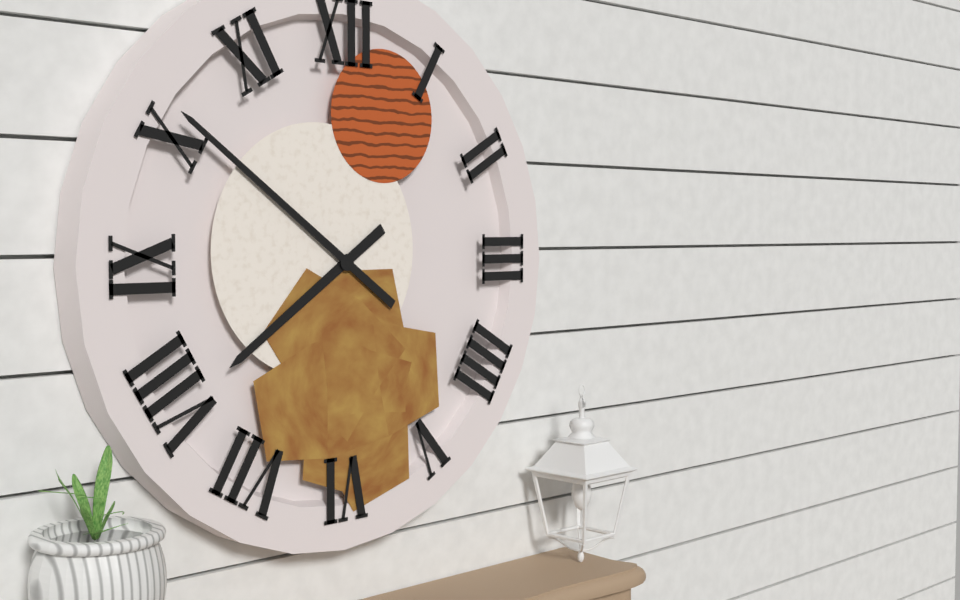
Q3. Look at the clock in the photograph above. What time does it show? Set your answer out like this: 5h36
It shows 7h51
